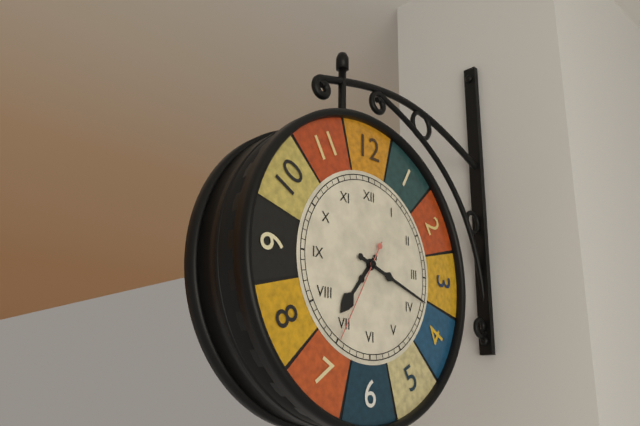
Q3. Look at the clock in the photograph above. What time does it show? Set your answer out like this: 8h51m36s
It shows 7h18m35s
